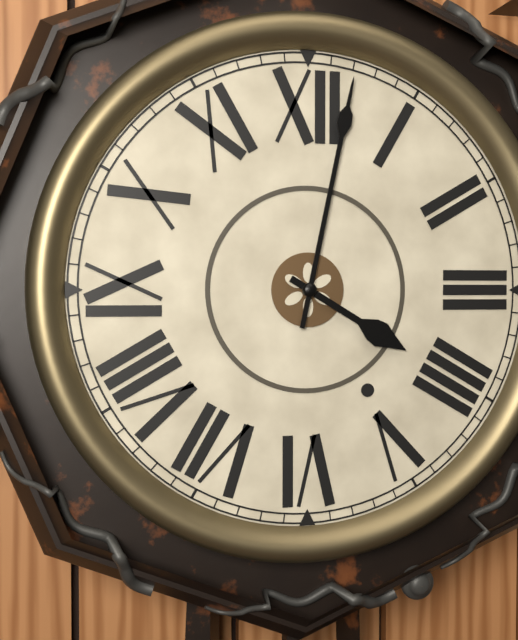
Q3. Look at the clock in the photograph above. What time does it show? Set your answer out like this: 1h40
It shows 4h02
